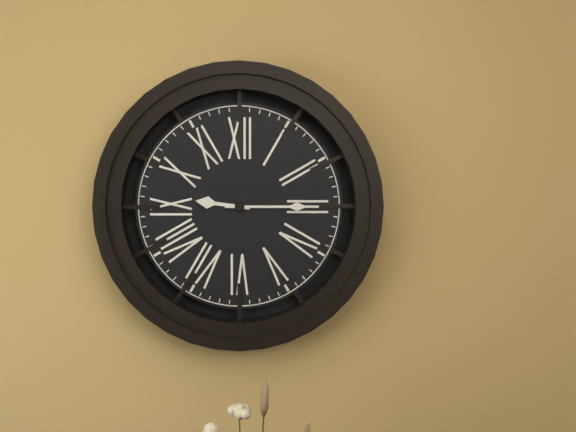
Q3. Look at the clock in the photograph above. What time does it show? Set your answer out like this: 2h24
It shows 9h15
